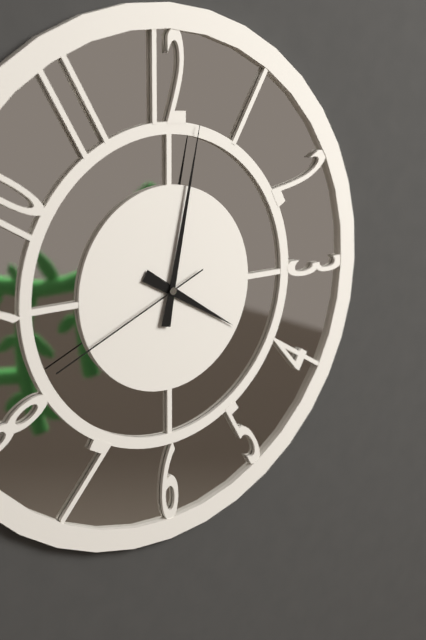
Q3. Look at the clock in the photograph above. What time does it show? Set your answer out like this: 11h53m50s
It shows 4h02m41s
